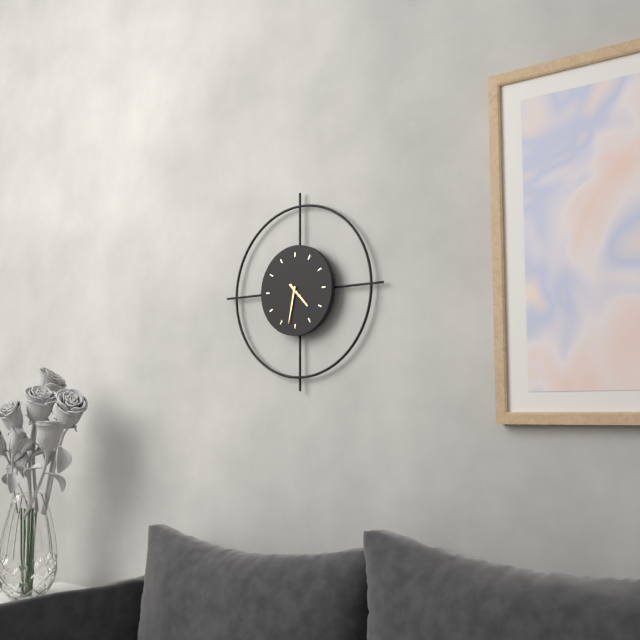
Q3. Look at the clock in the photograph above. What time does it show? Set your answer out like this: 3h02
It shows 4h32
